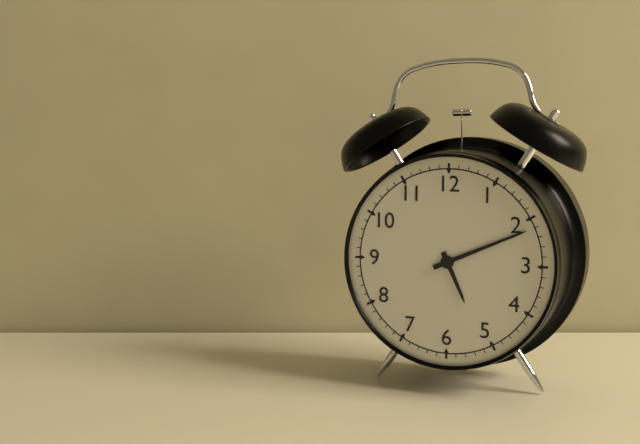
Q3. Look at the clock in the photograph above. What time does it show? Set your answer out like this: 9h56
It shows 5h11
